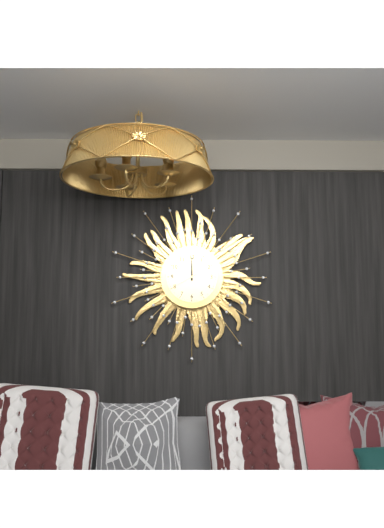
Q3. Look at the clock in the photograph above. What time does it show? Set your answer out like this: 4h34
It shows 12h00
